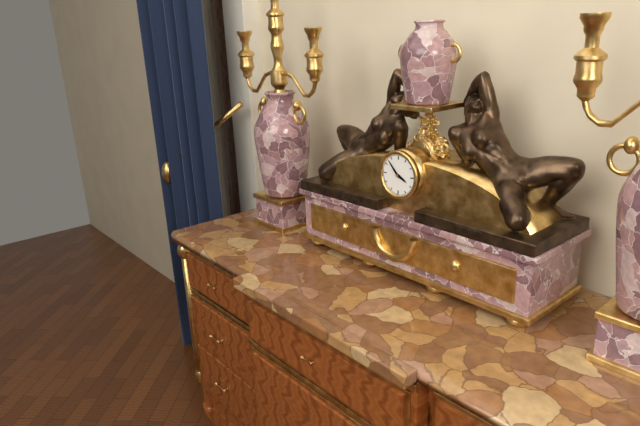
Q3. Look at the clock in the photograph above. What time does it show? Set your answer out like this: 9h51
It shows 3h53
